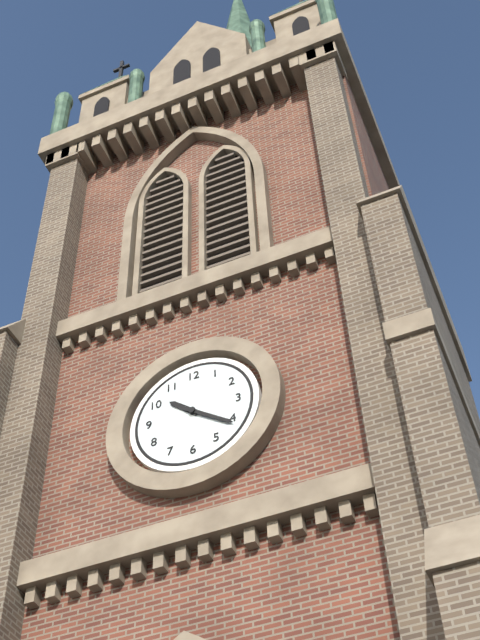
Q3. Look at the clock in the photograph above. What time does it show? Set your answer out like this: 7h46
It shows 10h21
